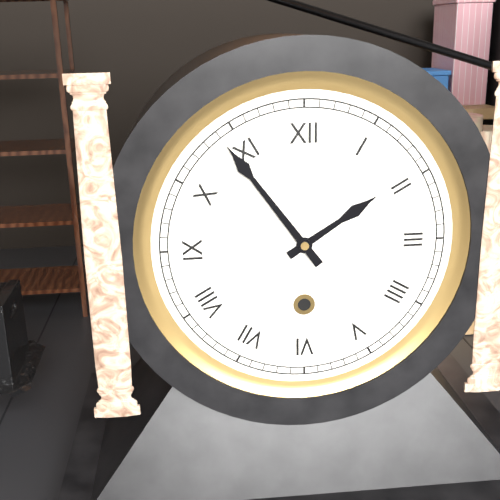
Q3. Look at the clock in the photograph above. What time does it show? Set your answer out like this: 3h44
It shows 1h54
